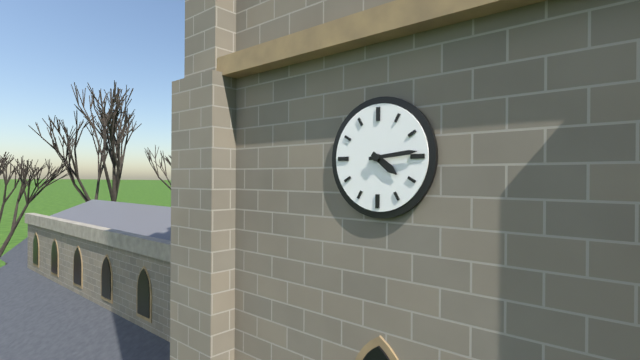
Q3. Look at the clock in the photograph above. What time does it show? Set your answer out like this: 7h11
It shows 4h14
